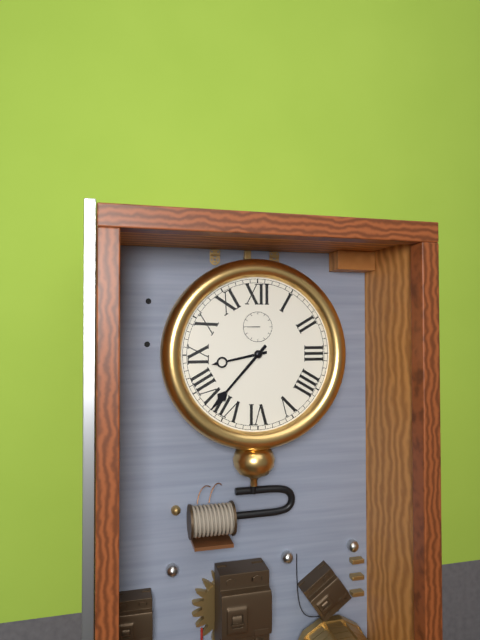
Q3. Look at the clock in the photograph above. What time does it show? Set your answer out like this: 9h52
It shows 8h37
